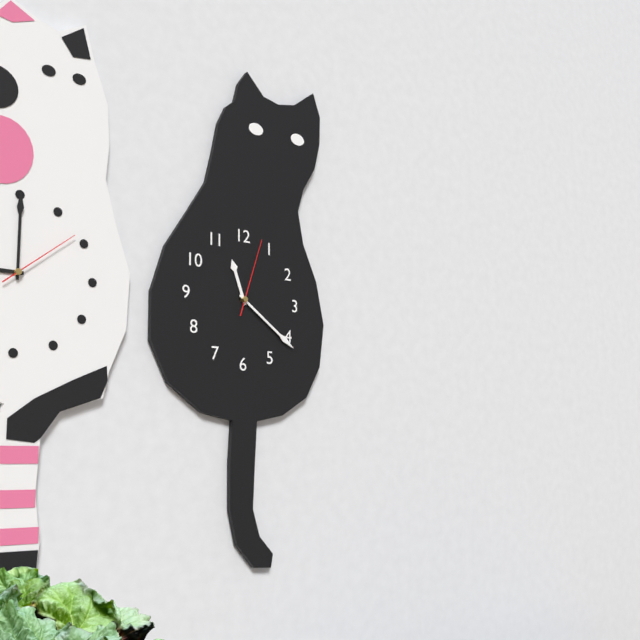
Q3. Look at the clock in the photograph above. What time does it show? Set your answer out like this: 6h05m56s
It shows 11h21m03s
